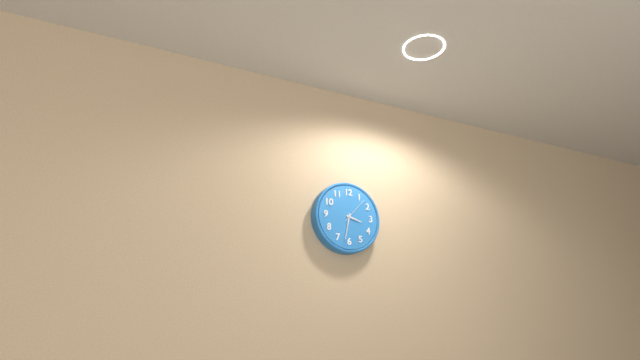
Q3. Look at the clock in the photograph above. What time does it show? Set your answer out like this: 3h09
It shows 3h32
